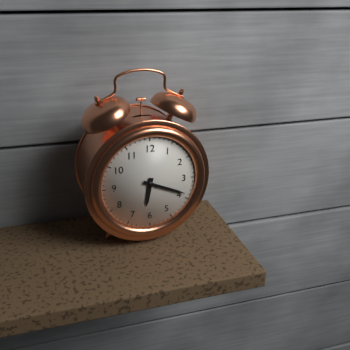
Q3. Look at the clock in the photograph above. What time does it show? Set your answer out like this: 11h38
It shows 6h19
